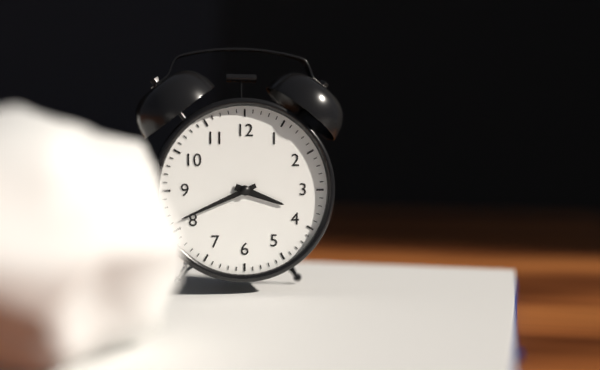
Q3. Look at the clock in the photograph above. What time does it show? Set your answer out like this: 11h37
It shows 3h41
